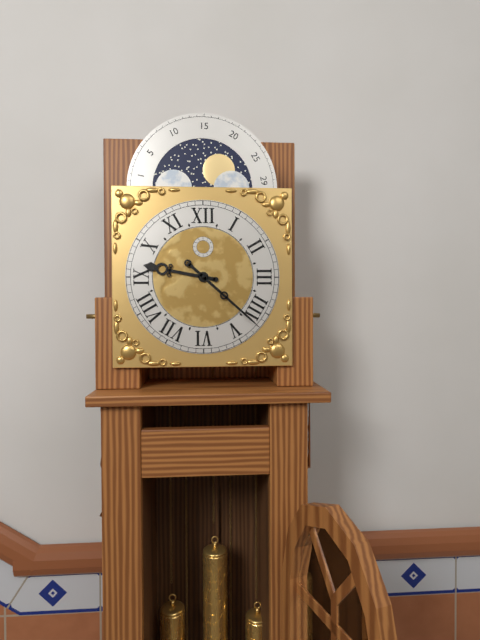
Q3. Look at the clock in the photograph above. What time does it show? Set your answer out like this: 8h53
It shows 9h22
